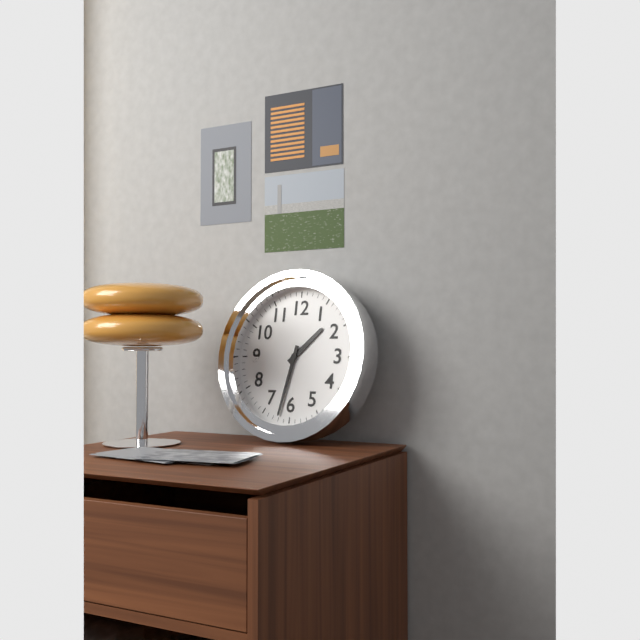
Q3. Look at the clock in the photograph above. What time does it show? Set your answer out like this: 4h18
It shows 1h32
